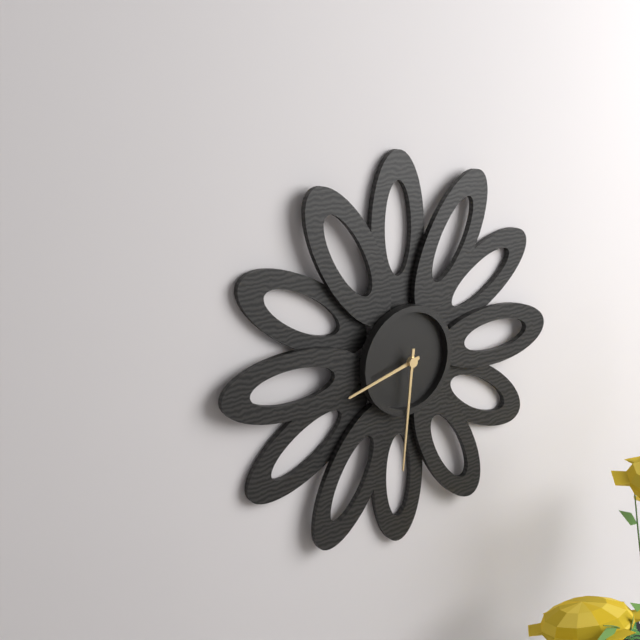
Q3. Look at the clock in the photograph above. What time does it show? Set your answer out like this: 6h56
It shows 8h31
